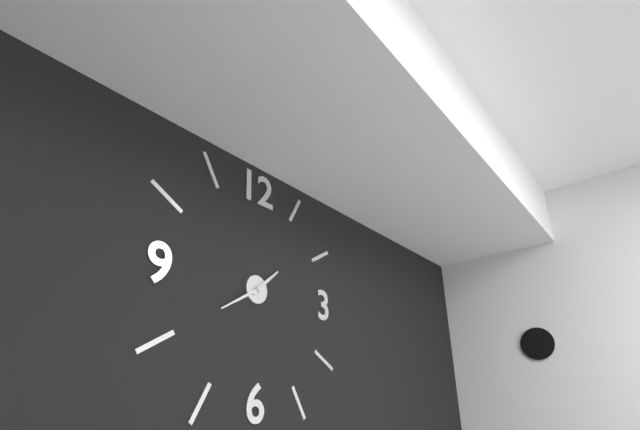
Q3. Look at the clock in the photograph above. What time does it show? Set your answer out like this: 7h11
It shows 1h40
